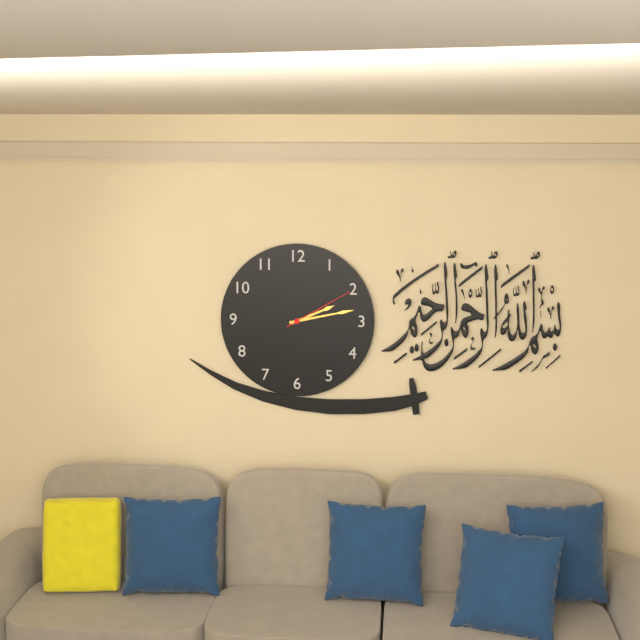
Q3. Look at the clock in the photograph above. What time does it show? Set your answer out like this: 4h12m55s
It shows 2h13m10s
